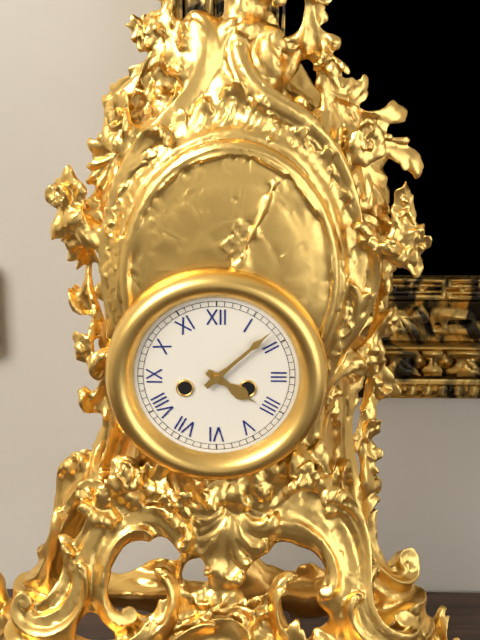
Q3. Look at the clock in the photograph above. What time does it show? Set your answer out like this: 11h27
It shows 4h08
